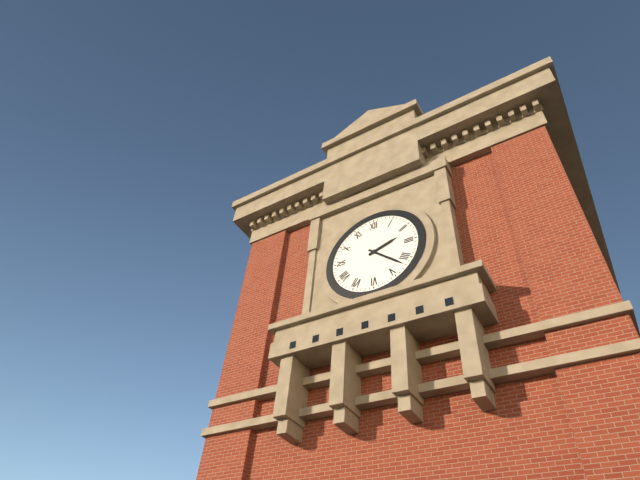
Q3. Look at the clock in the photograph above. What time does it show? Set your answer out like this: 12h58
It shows 2h22
